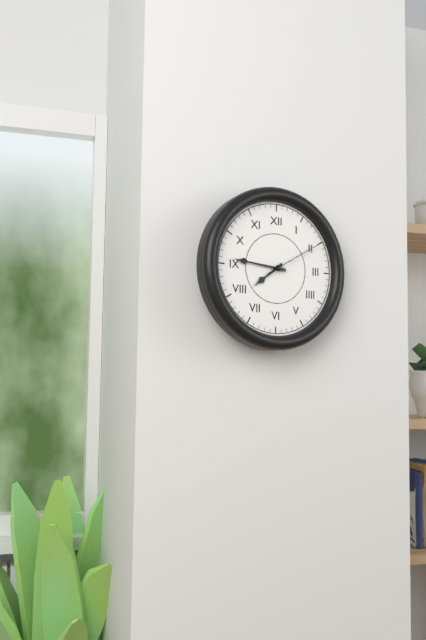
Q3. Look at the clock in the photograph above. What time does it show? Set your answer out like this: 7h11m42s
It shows 7h46m10s
